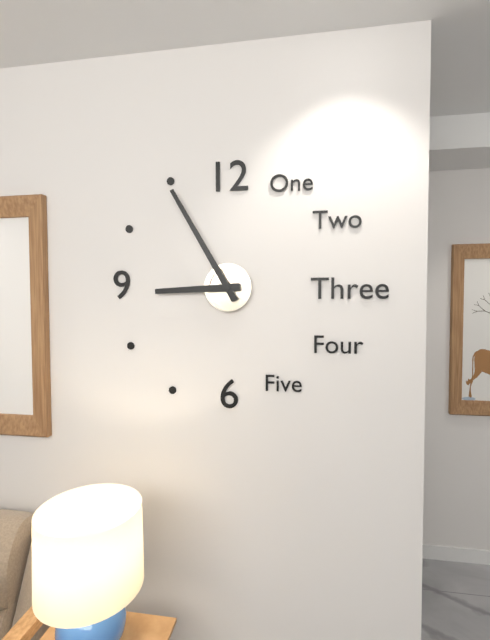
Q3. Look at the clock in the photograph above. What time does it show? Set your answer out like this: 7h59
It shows 8h55
